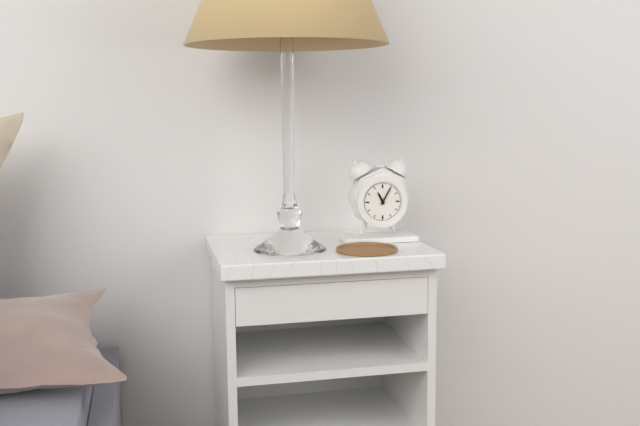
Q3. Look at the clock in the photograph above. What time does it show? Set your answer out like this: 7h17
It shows 11h05
